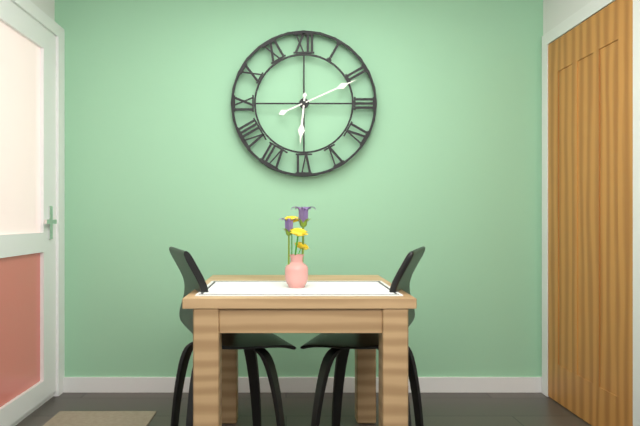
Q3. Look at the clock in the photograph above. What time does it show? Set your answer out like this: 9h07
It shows 6h11
